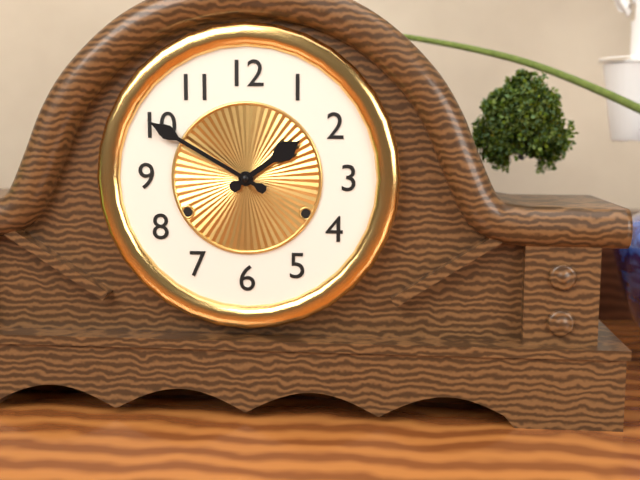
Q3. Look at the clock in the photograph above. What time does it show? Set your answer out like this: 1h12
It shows 1h50
